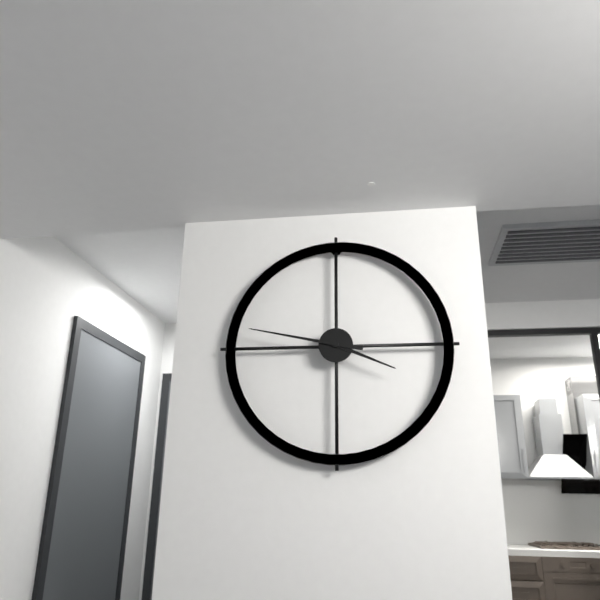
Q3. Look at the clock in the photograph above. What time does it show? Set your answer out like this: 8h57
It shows 3h47
